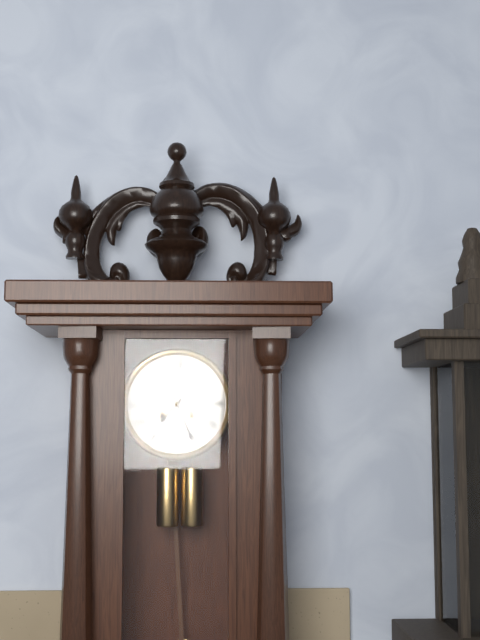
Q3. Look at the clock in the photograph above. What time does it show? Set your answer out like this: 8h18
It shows 7h26
